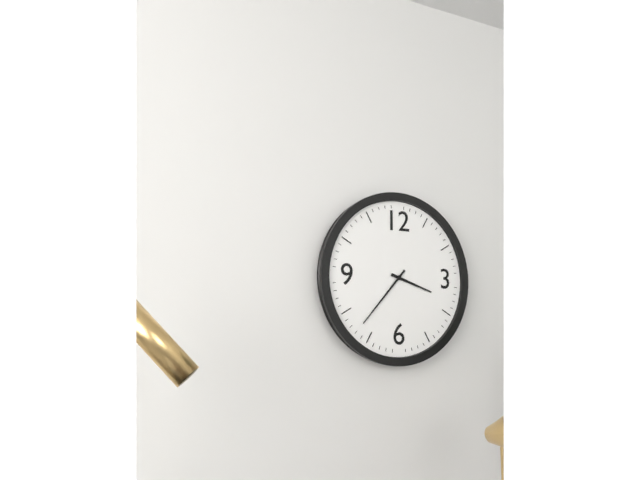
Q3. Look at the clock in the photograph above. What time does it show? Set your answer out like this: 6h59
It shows 3h37
